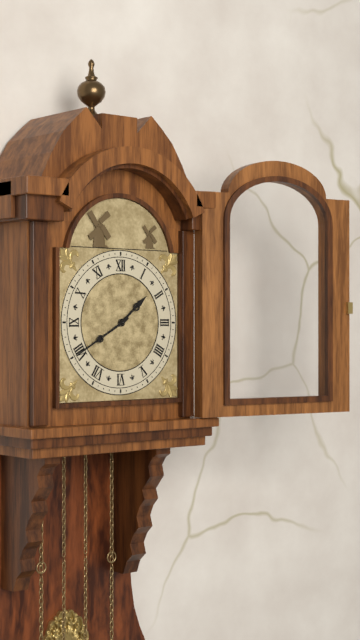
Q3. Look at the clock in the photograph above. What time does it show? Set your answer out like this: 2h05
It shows 1h40
